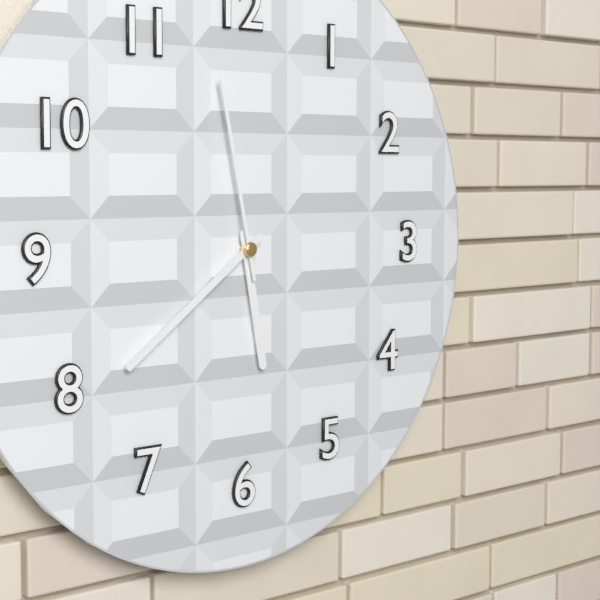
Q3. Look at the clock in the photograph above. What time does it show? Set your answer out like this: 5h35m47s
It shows 5h39m58s
